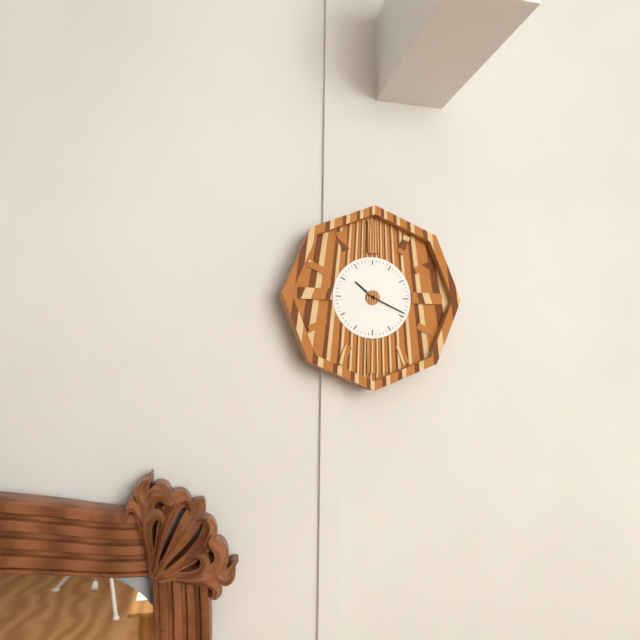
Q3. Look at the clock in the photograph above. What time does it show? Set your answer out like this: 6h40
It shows 10h19
